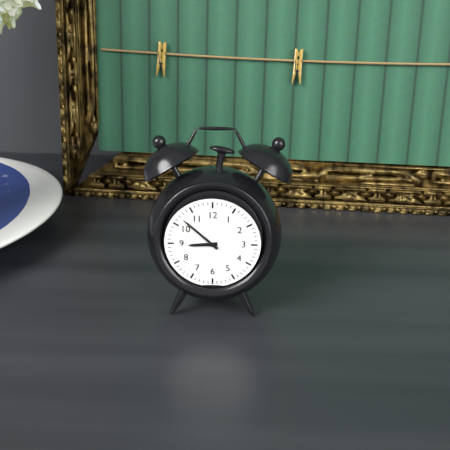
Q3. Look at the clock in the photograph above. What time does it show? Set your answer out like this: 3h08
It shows 8h52
